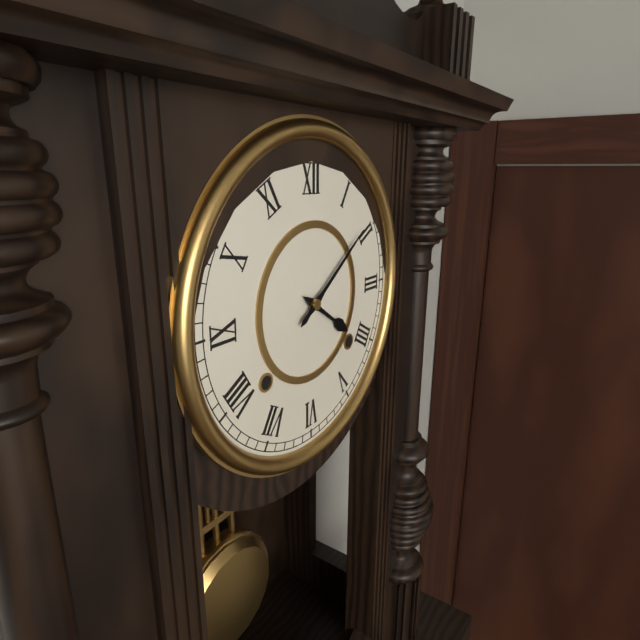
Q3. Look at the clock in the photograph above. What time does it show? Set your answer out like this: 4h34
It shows 4h09
